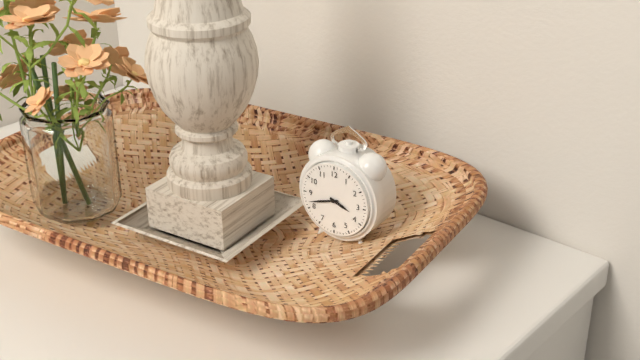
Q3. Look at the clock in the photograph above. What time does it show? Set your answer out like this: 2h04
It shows 3h42
